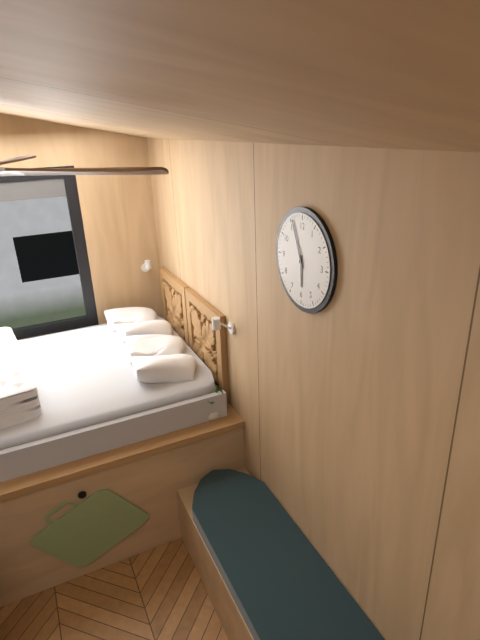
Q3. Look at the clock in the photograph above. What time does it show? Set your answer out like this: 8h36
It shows 5h56
